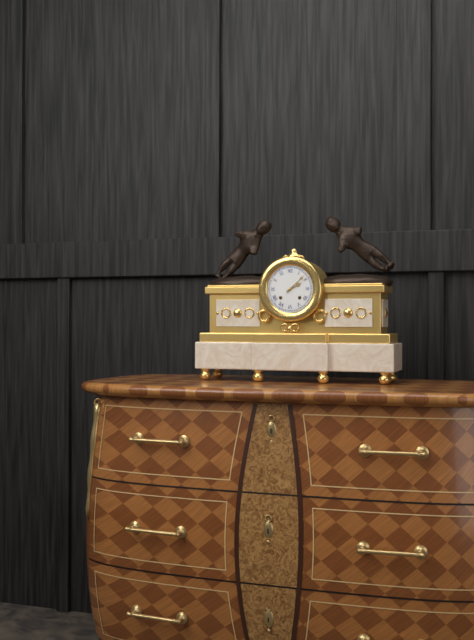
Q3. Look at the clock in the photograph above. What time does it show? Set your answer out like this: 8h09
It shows 2h08
